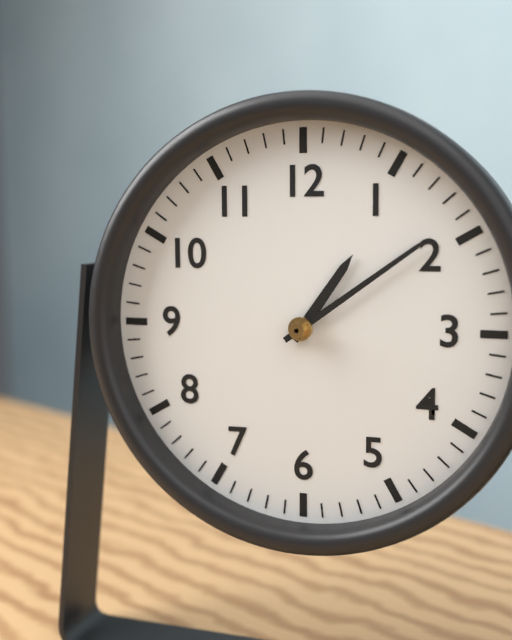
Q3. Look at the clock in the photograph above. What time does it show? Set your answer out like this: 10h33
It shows 1h09
